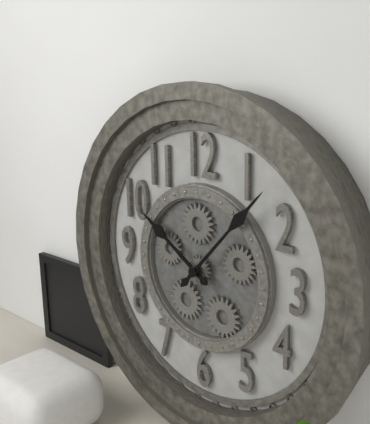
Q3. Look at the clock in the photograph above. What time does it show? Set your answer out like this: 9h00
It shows 10h07
